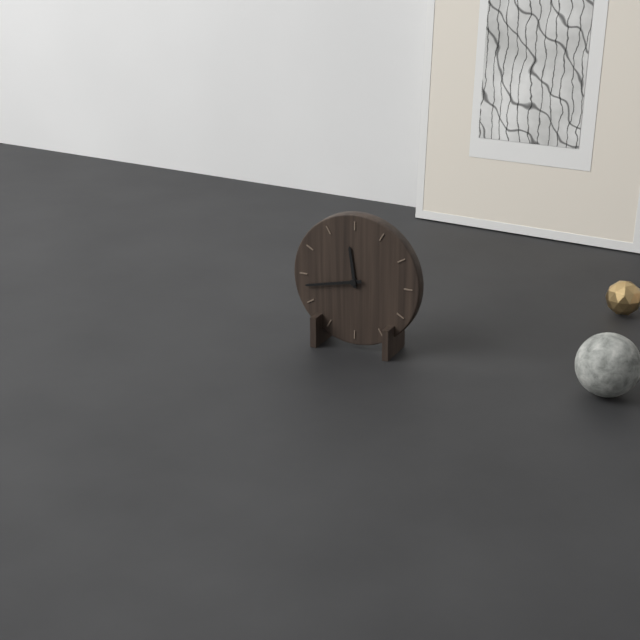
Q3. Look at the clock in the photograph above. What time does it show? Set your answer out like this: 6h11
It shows 11h43
